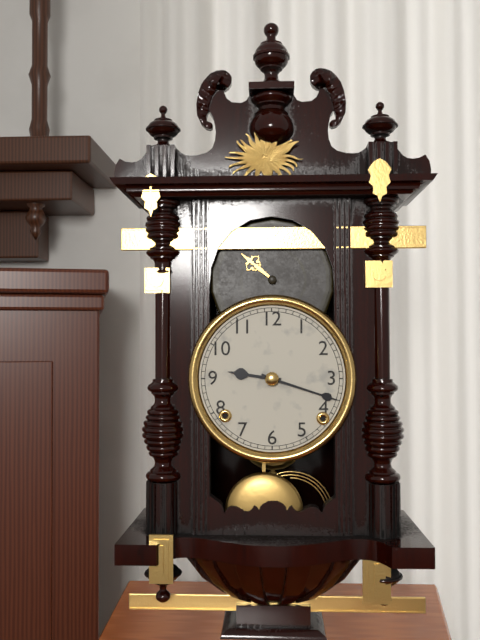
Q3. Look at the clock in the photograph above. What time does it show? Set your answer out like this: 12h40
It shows 9h18
